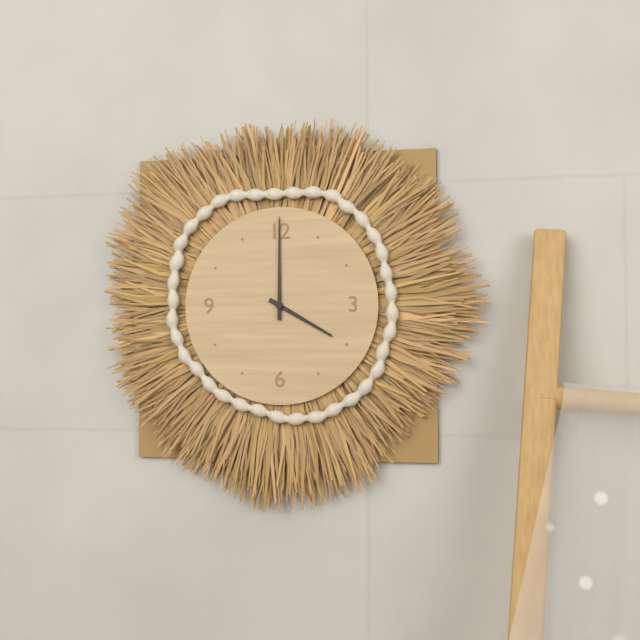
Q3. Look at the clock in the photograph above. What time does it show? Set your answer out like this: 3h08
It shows 4h00
